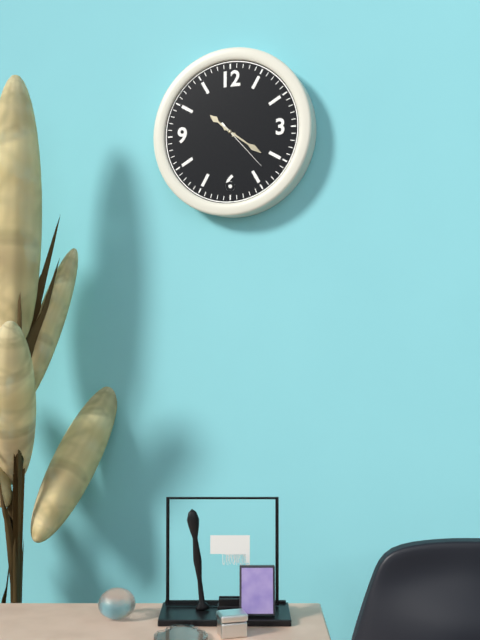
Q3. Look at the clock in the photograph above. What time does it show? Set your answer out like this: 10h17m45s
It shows 10h21m23s
